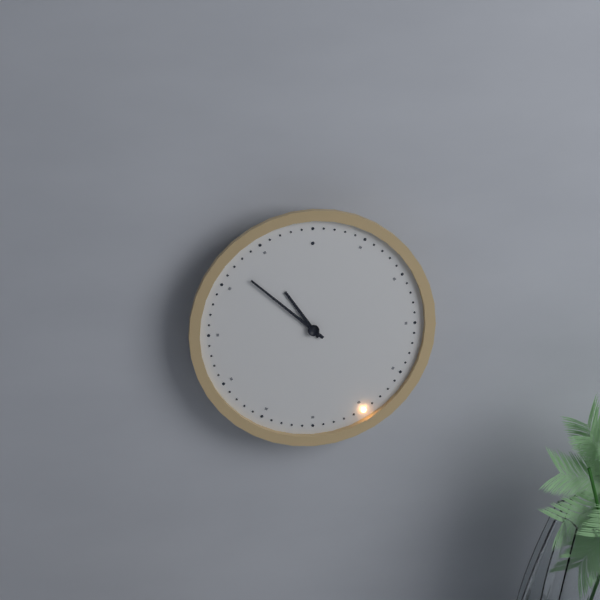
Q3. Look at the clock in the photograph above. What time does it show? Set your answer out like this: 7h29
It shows 10h52
